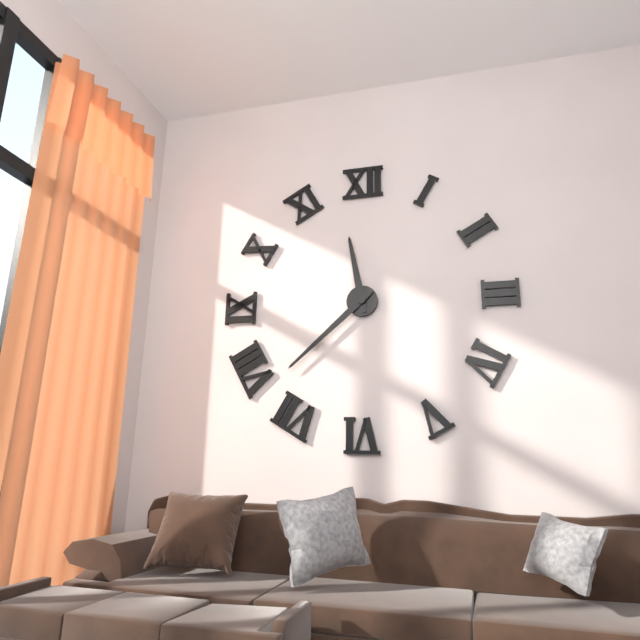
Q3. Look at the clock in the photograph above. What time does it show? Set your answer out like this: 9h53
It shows 11h38
